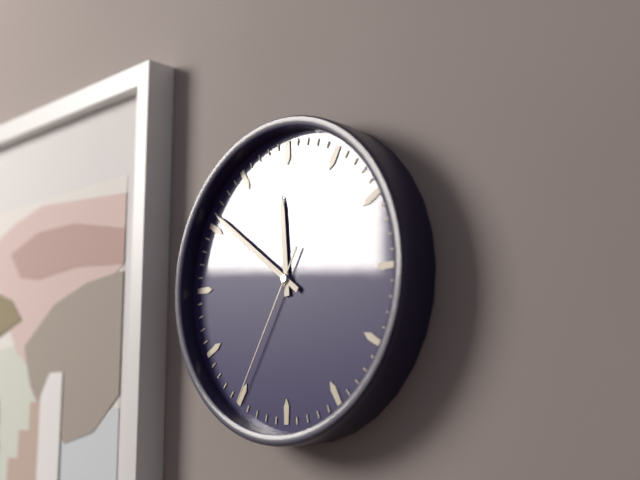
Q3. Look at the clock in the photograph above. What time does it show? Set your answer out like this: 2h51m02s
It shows 11h51m35s
